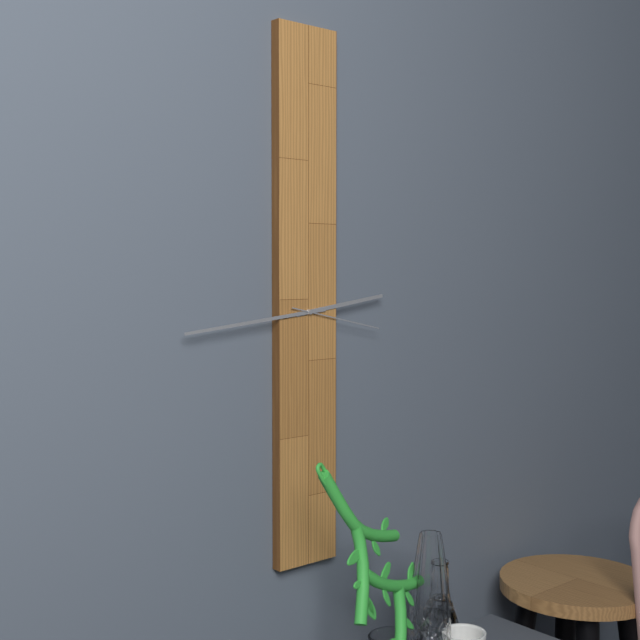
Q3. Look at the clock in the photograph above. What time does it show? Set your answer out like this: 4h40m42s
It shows 2h44m17s
